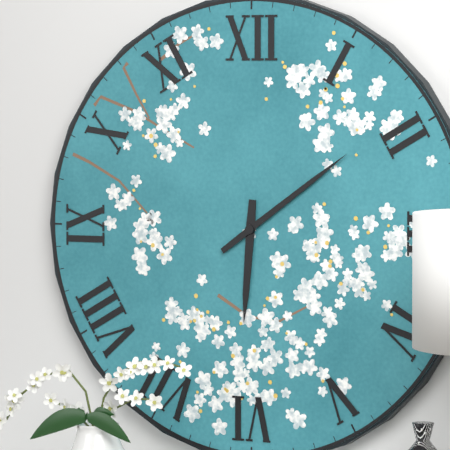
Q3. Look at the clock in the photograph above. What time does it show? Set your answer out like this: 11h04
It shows 6h09
